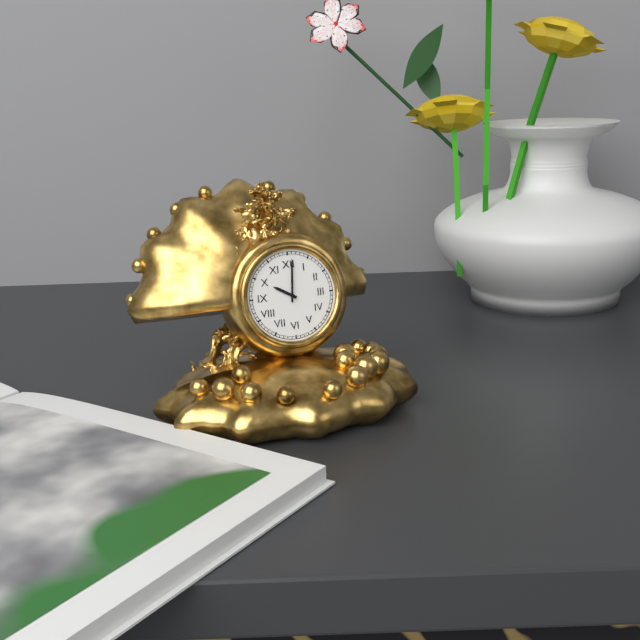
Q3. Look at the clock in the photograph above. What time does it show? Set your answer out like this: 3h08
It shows 10h01
